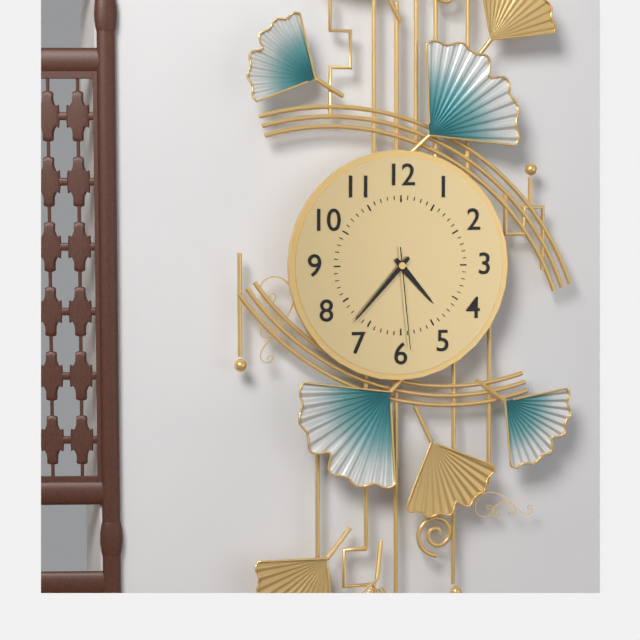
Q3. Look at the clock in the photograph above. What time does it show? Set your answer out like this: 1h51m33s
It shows 4h37m29s
